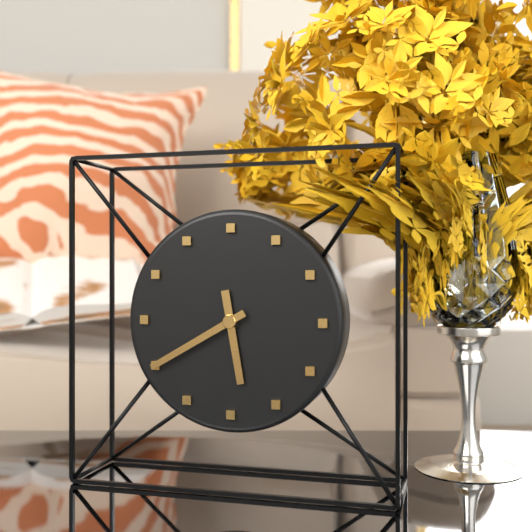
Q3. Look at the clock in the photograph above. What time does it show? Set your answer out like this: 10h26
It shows 5h40
